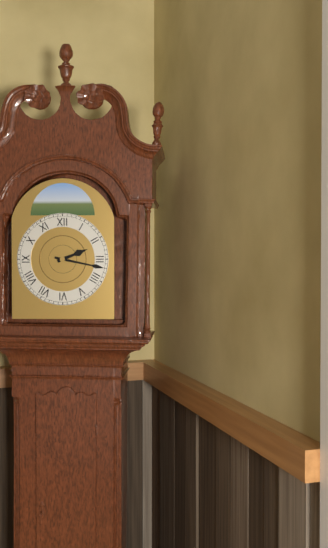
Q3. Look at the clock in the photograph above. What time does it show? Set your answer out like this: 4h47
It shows 2h17
